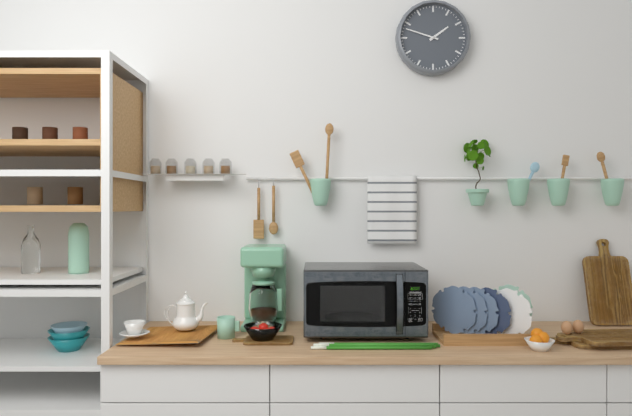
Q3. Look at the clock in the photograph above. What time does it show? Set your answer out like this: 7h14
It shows 1h48
